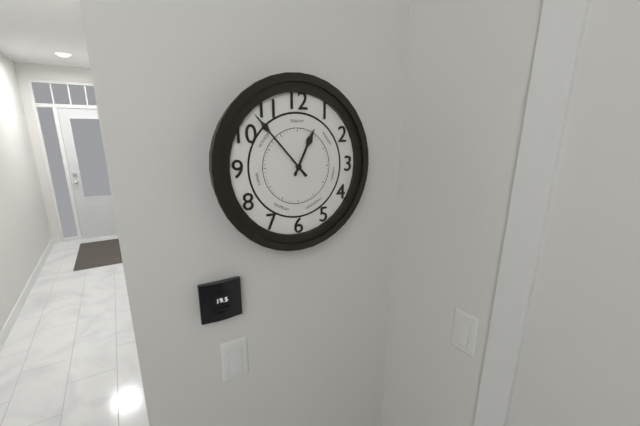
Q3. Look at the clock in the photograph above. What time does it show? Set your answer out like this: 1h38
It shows 12h53
